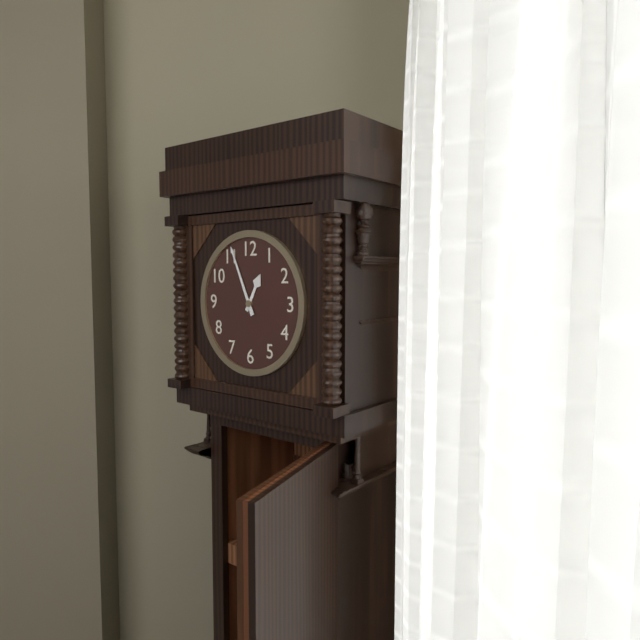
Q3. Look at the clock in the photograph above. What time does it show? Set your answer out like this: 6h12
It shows 12h56
